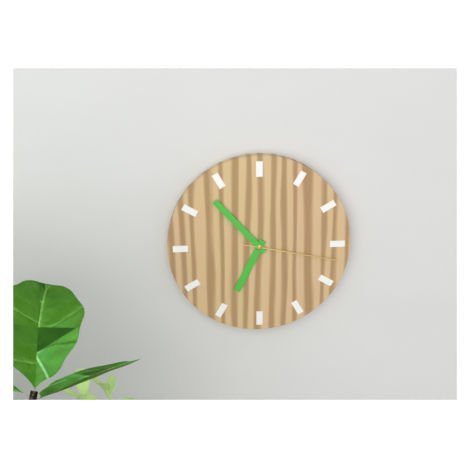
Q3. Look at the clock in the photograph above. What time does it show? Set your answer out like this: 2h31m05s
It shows 6h53m17s
